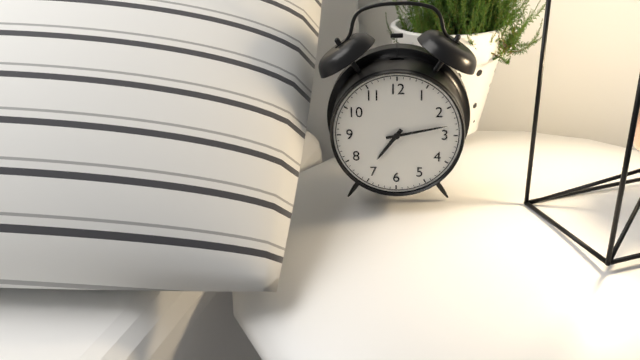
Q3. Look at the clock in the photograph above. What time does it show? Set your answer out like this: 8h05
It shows 7h13
